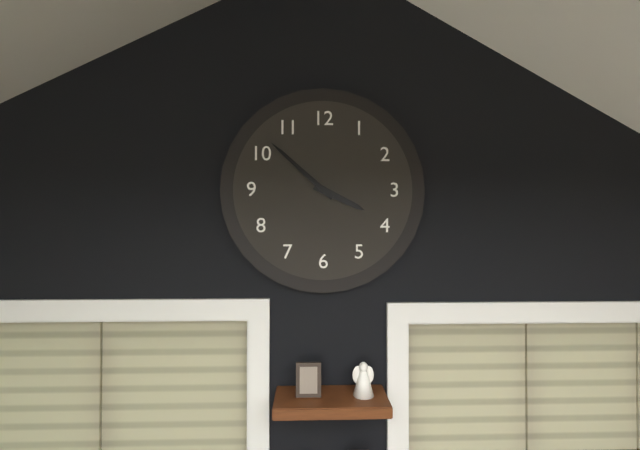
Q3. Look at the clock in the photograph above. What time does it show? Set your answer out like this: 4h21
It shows 3h52
